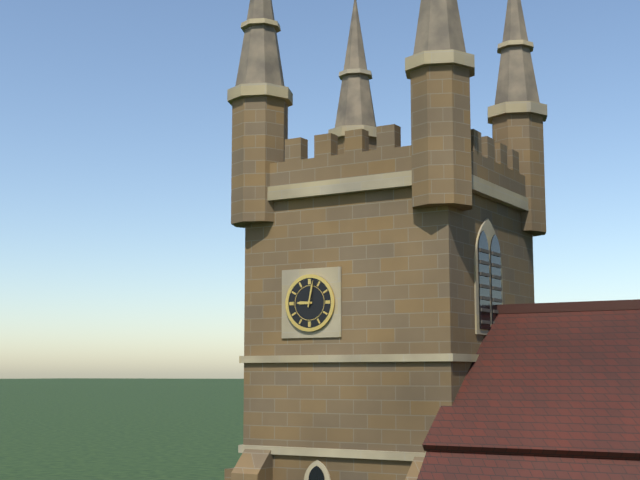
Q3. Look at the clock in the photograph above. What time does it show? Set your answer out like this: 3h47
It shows 9h02
